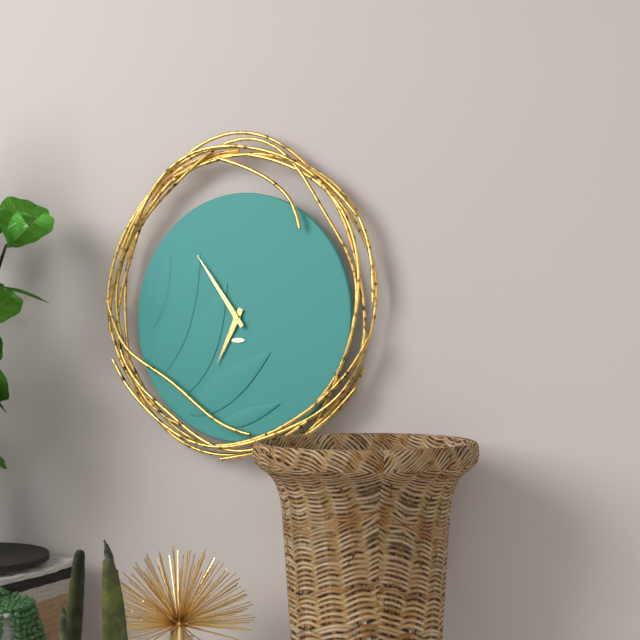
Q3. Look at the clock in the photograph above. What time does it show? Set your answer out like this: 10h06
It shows 6h54
